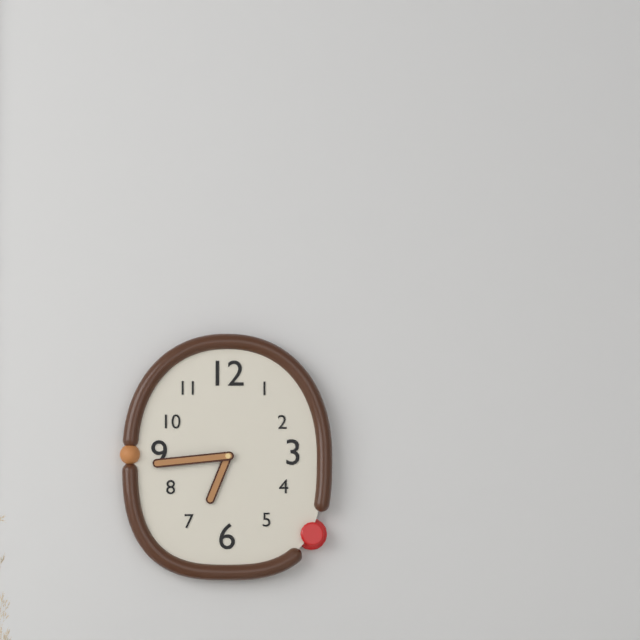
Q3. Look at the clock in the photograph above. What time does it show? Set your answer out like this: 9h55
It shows 6h44
